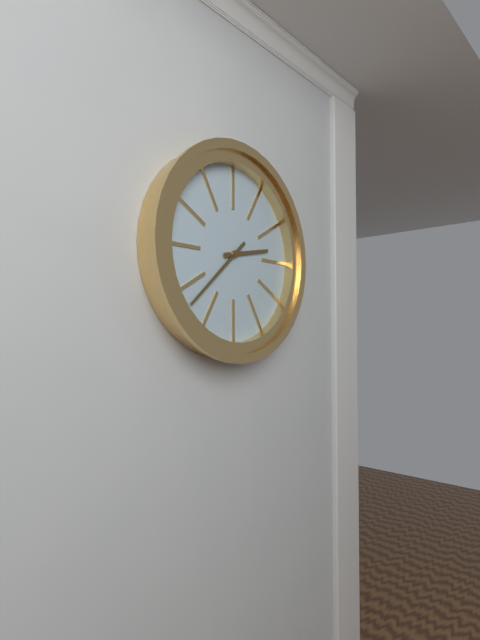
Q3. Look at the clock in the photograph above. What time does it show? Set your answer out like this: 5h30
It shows 2h38
